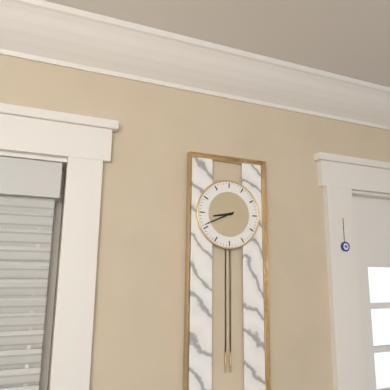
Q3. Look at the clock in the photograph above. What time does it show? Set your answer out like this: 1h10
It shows 8h41
